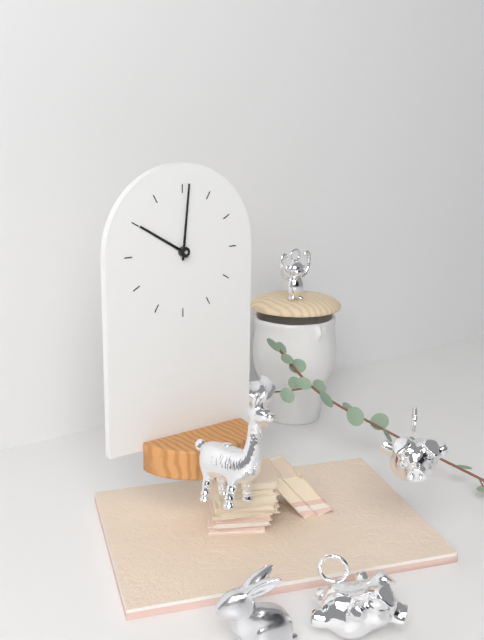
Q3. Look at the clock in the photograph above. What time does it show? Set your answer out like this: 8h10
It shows 10h01
